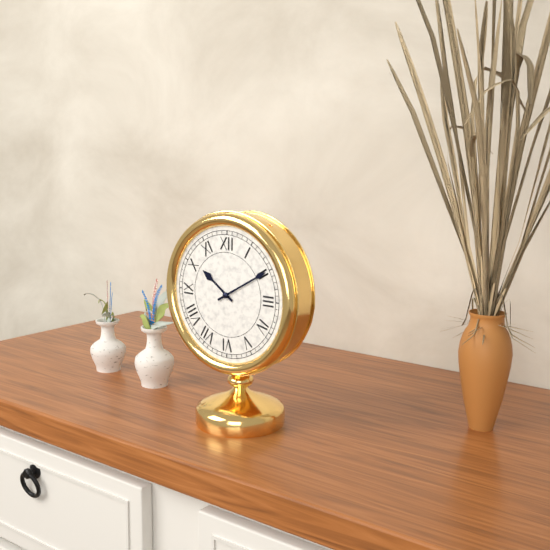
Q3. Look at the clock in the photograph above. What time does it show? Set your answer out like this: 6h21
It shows 10h10
